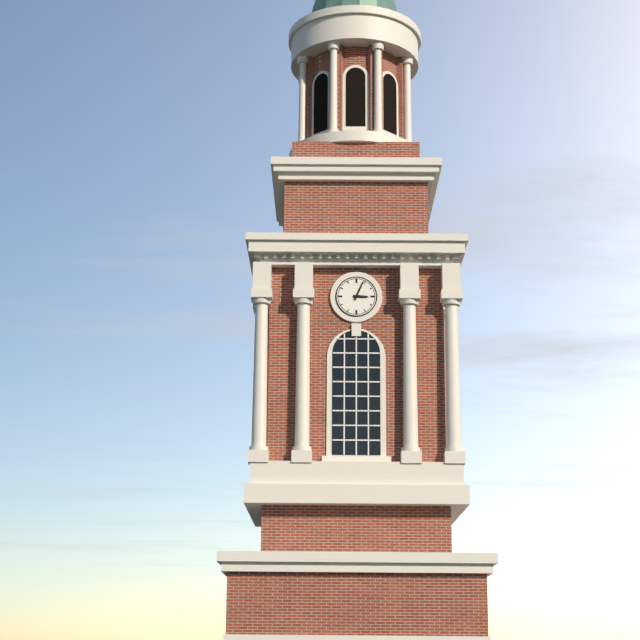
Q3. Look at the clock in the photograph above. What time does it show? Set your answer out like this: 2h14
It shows 3h04
